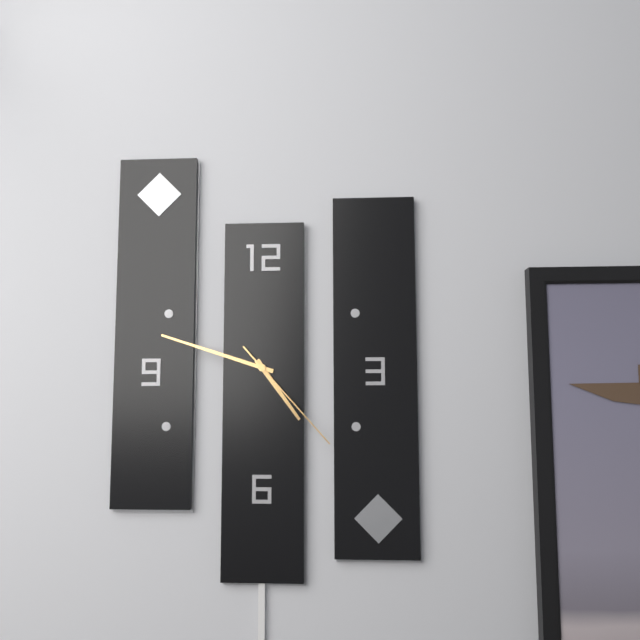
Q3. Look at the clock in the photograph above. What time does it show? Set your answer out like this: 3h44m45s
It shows 4h48m23s
